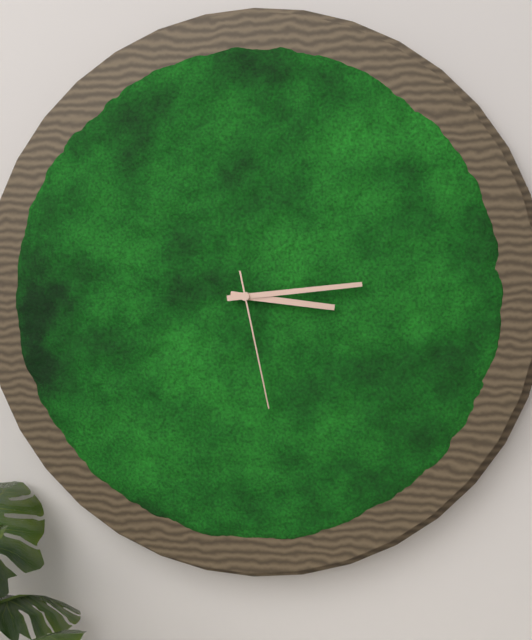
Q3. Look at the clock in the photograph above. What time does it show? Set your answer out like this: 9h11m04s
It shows 3h14m28s
